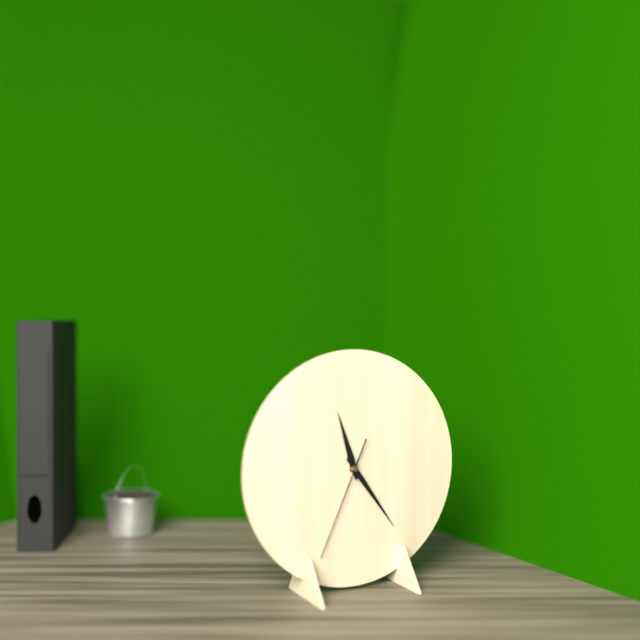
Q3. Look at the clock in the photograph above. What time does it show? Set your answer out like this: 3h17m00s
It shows 11h24m34s
